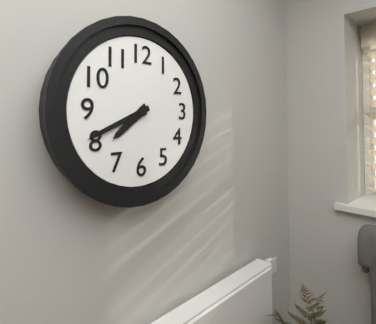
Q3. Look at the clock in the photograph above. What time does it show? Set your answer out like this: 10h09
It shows 7h41
